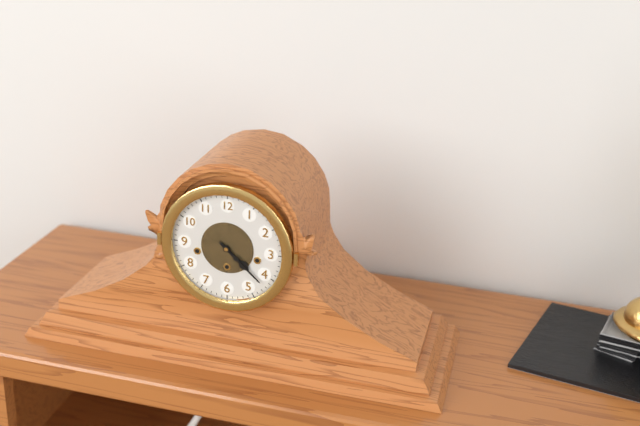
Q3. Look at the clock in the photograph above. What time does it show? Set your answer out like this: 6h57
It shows 4h22
